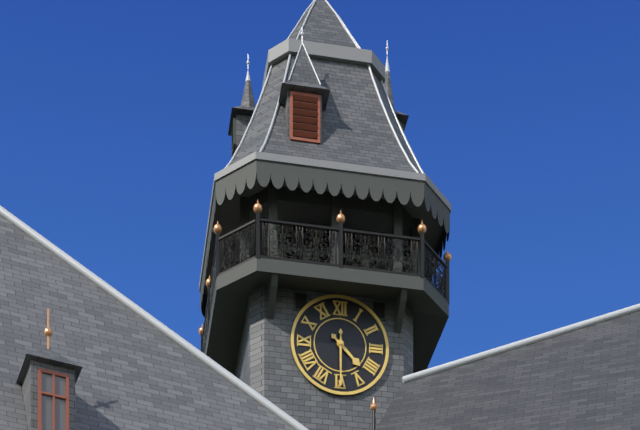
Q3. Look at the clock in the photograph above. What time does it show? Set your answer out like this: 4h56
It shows 4h30
